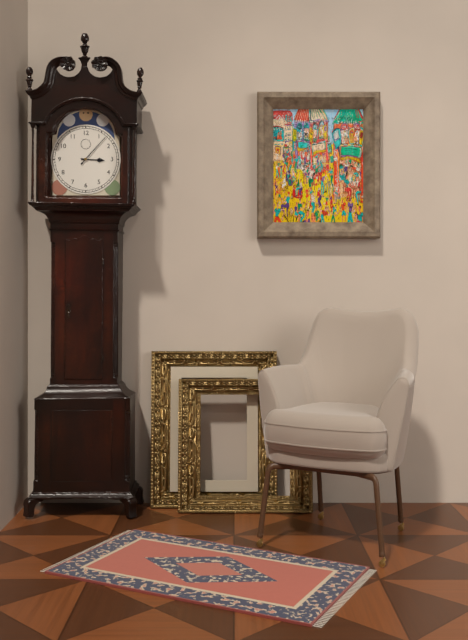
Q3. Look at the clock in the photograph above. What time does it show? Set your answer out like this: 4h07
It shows 3h07
